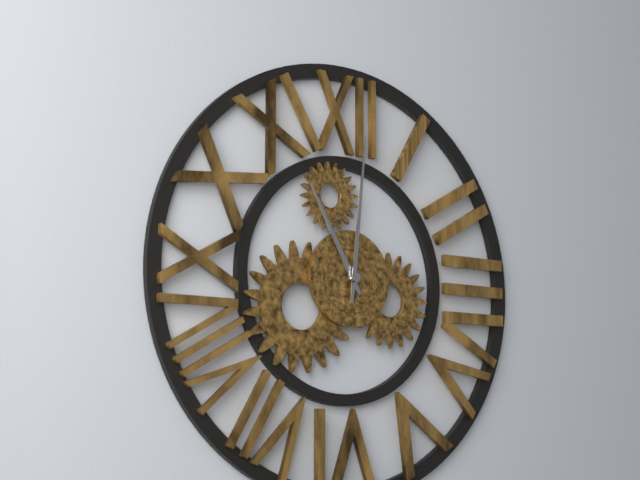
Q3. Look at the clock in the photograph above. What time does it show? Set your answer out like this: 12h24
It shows 11h01
